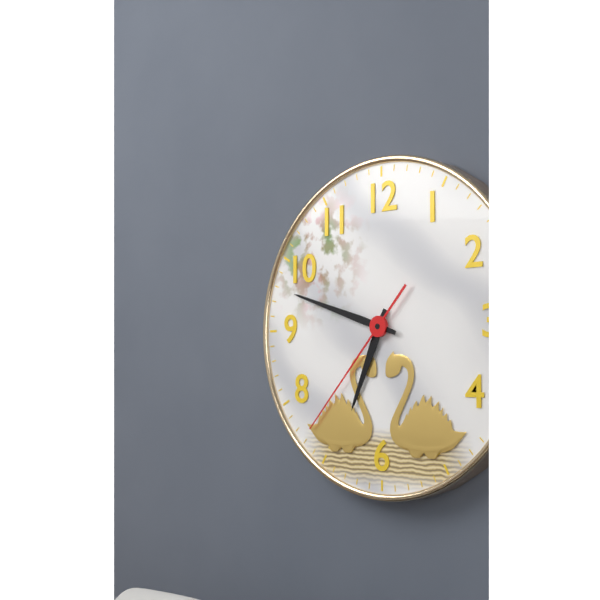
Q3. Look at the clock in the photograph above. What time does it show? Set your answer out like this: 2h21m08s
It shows 6h48m37s
